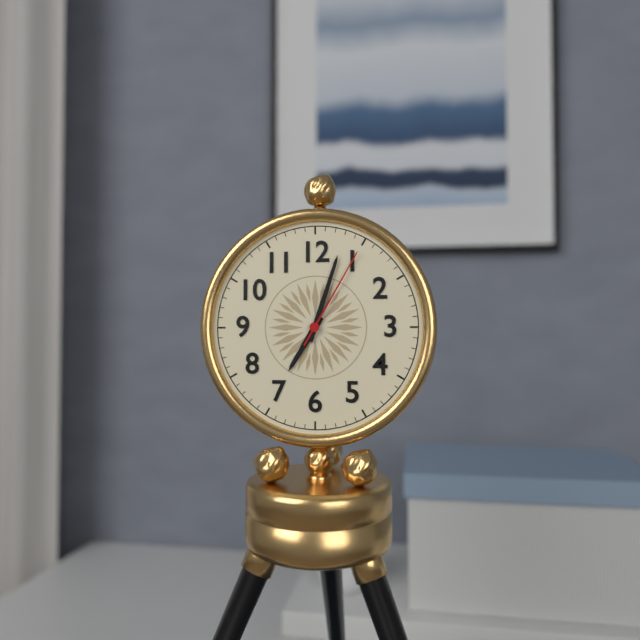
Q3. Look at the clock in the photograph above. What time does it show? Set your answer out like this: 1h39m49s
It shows 7h03m05s
